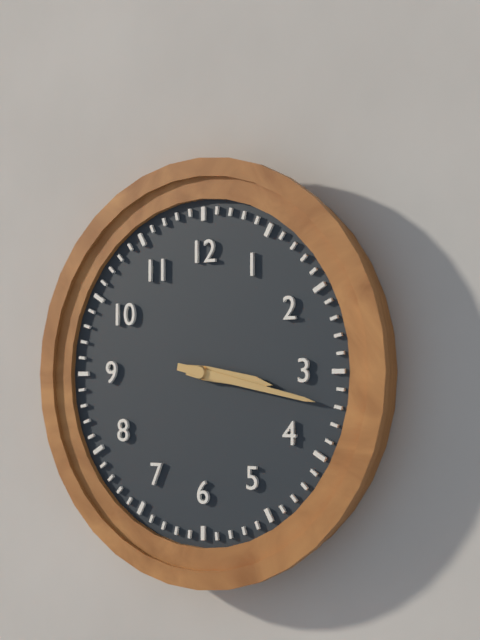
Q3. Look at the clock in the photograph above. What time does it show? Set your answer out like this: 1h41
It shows 3h17
